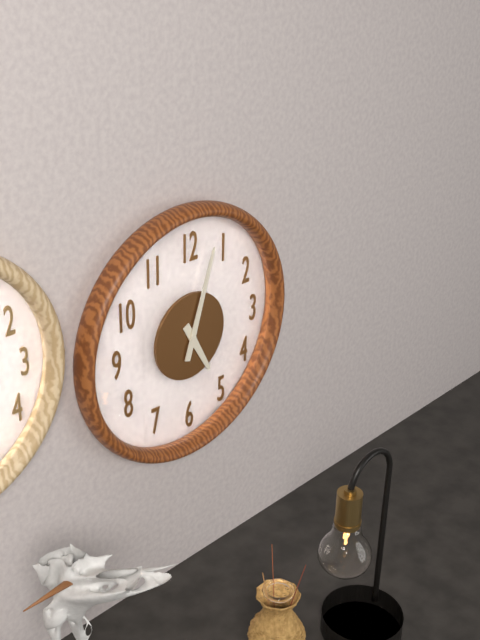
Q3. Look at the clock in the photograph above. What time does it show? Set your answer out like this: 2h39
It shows 5h03
